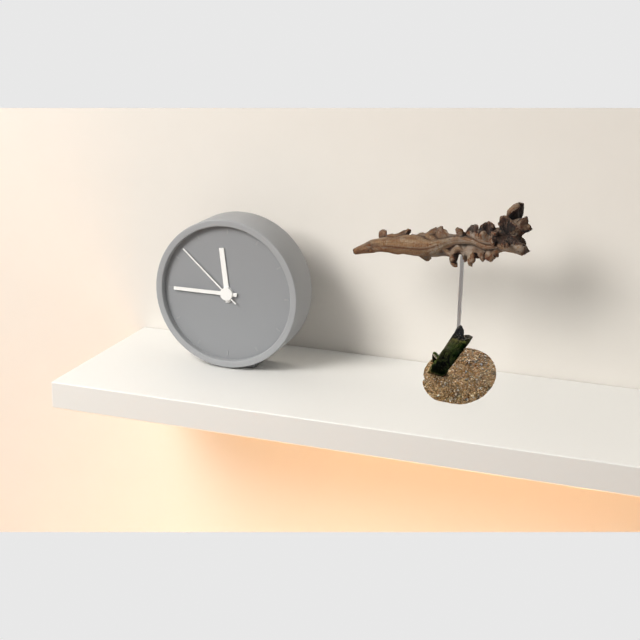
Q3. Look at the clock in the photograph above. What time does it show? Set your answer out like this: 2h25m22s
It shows 11h45m52s
